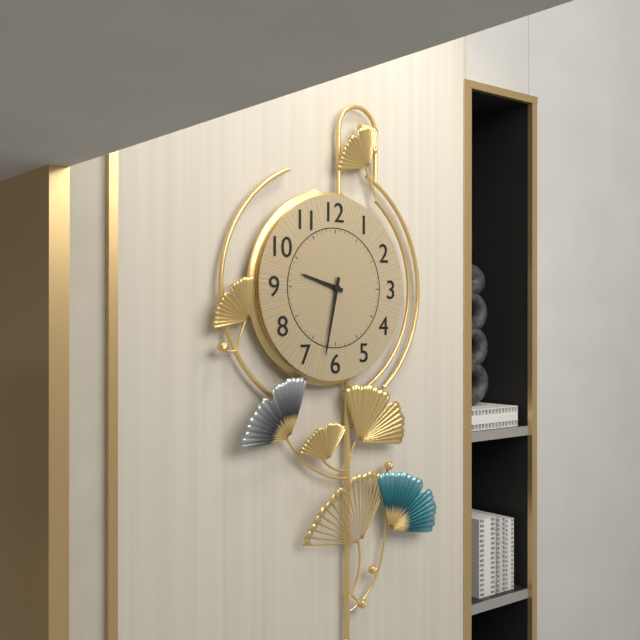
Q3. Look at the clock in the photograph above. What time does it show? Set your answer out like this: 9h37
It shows 9h32
